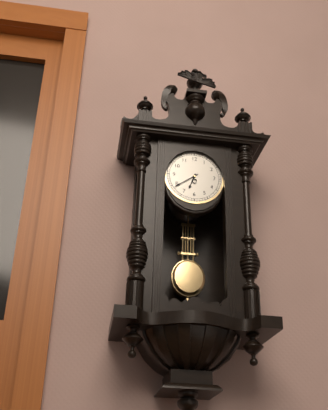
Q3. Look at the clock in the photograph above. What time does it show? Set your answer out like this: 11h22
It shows 6h39
